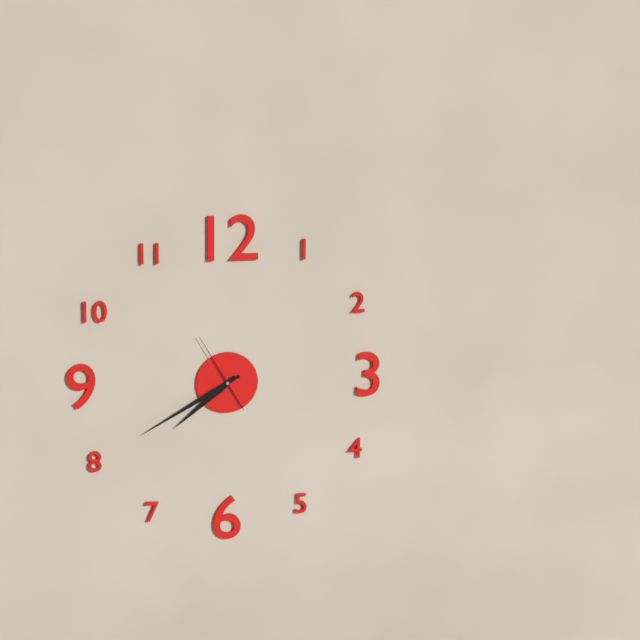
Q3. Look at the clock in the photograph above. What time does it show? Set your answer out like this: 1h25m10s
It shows 7h40m55s
